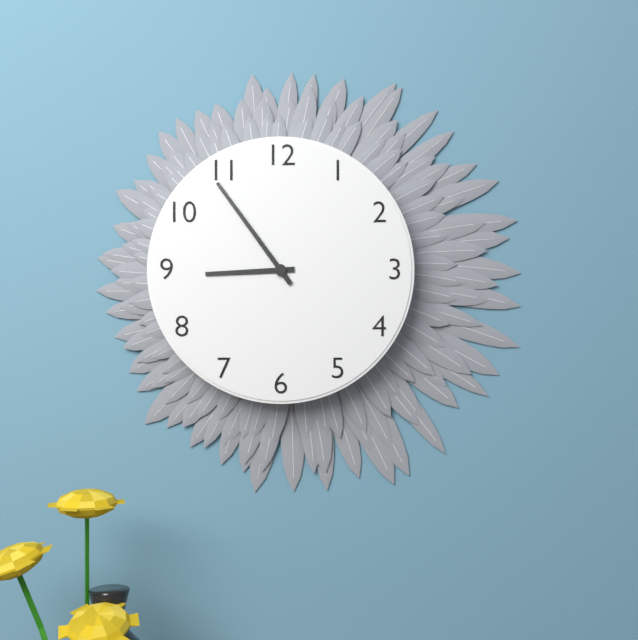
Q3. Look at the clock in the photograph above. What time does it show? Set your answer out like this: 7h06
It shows 8h54
